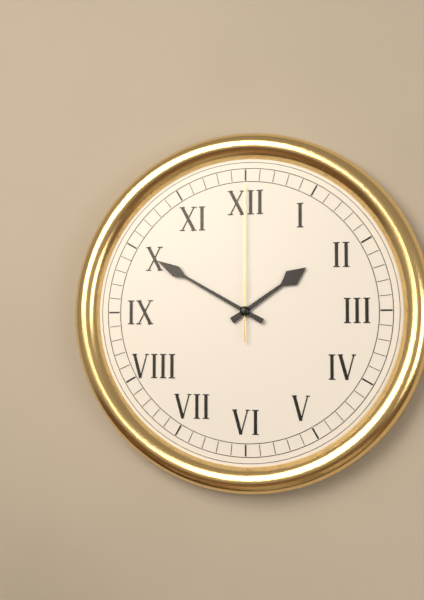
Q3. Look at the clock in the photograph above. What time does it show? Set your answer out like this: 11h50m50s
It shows 1h50m00s
